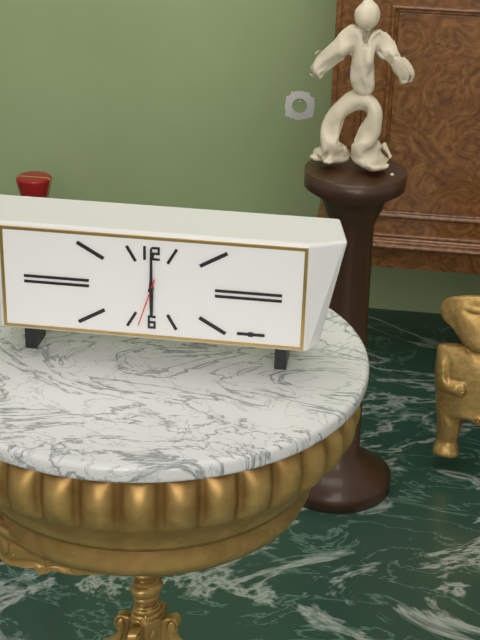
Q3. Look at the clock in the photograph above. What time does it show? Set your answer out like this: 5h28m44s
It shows 6h00m33s
